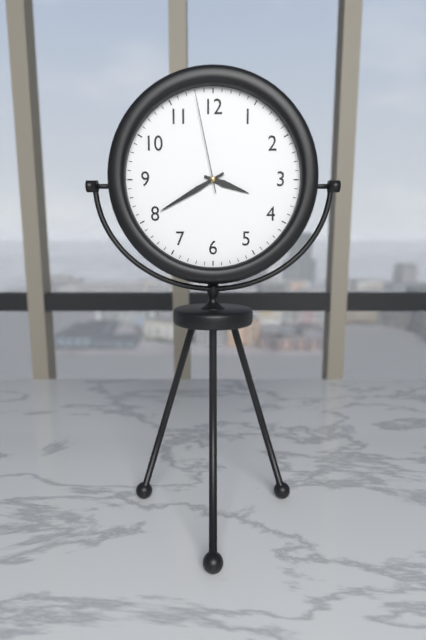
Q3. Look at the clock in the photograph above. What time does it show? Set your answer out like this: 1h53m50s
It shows 3h40m58s
